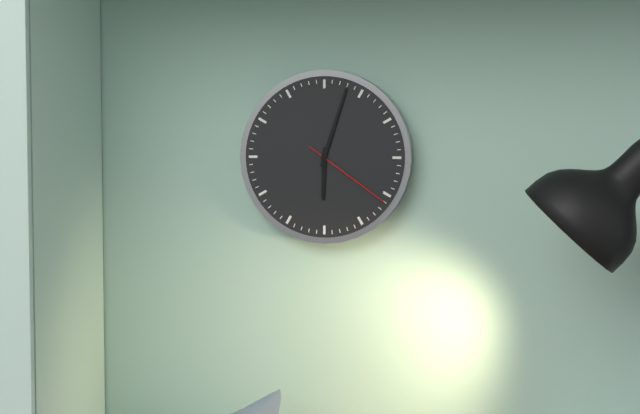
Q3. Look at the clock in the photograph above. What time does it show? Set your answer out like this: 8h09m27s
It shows 6h03m21s
